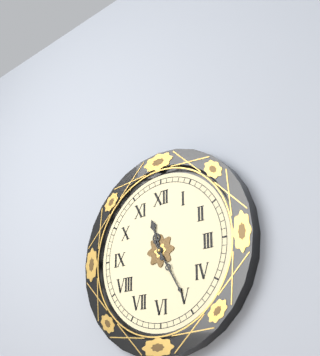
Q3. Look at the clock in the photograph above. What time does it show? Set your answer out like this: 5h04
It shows 11h25
